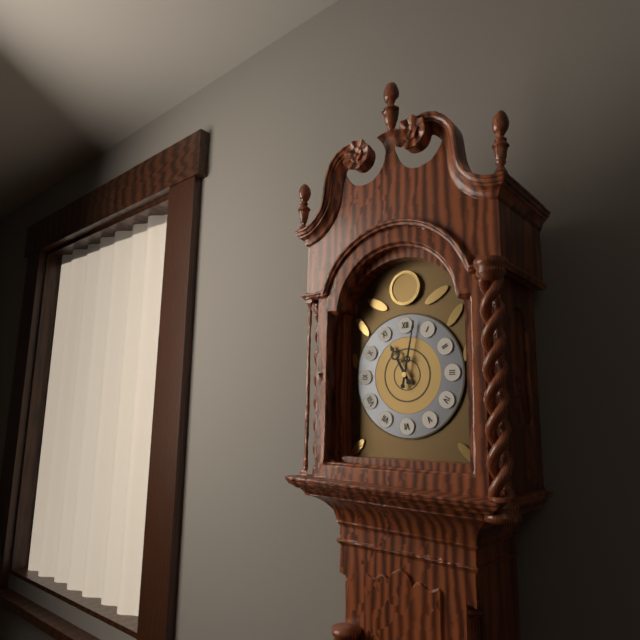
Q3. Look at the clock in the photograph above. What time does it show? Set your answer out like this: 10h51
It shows 11h02
